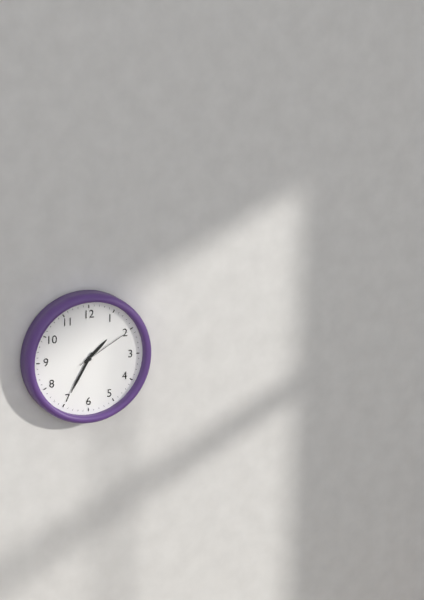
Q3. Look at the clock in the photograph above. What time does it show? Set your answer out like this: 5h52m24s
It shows 1h35m10s
